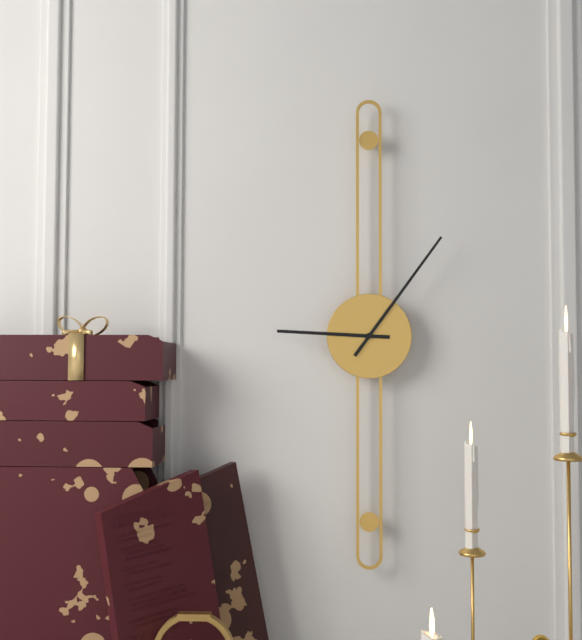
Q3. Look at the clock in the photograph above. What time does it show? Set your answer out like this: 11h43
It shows 9h06
